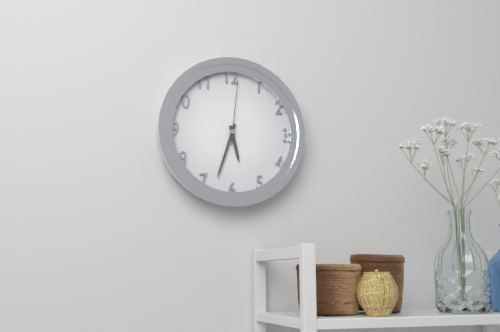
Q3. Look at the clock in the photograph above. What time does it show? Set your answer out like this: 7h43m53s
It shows 5h33m01s
